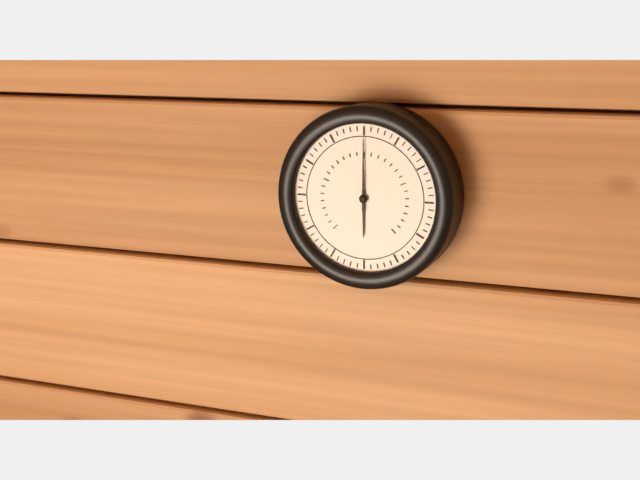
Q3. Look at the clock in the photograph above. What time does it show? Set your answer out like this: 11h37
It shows 6h00
